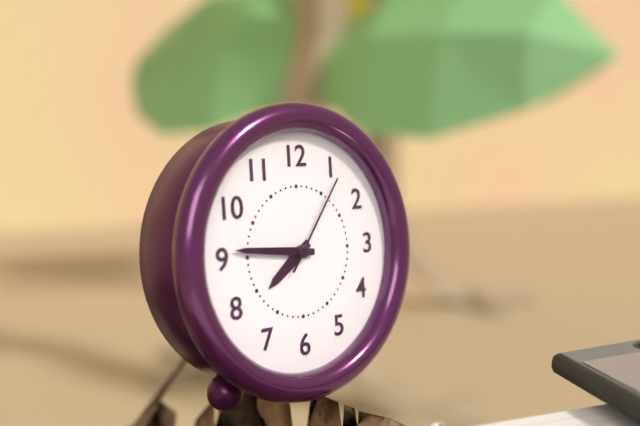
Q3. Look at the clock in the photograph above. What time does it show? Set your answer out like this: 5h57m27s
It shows 7h46m06s
